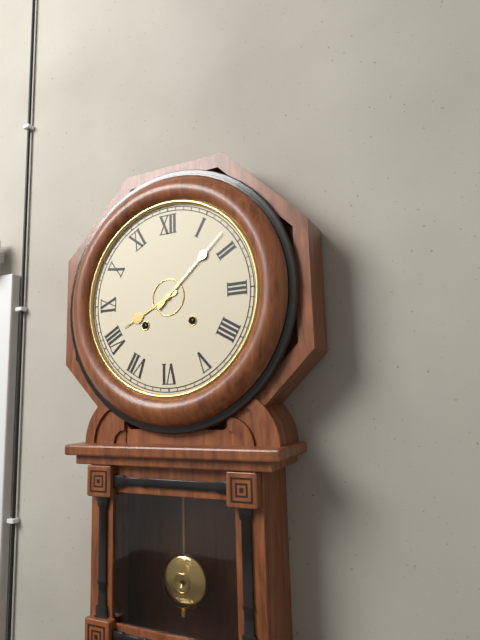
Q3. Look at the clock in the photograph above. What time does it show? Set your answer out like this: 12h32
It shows 8h08
